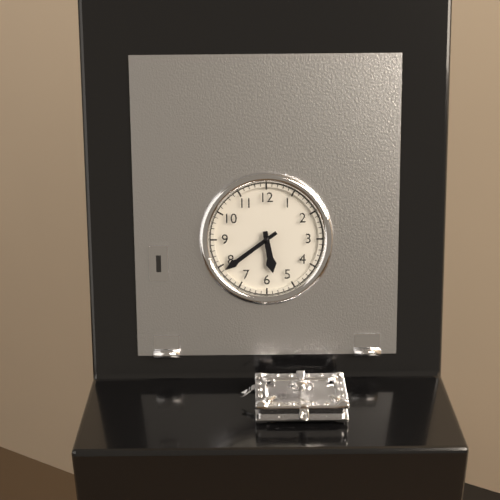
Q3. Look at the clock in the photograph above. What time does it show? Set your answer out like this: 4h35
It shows 5h39
